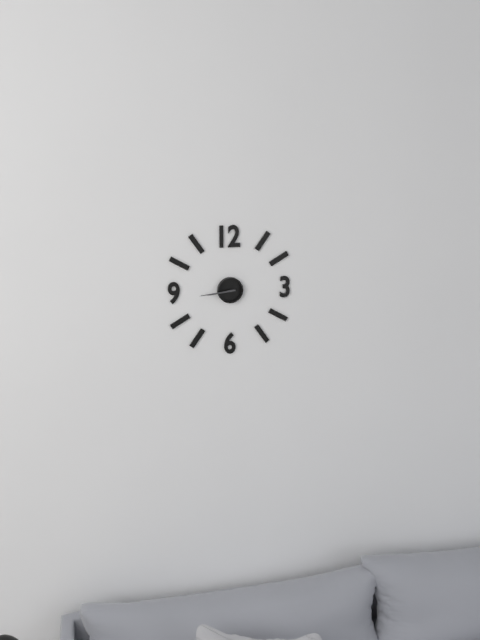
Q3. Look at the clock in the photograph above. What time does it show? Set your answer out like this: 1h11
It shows 8h44
